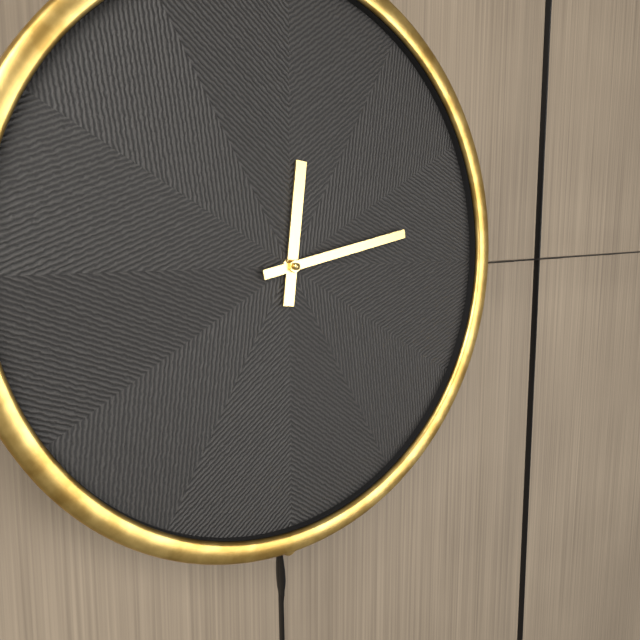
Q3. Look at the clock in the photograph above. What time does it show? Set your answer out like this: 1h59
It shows 12h13
